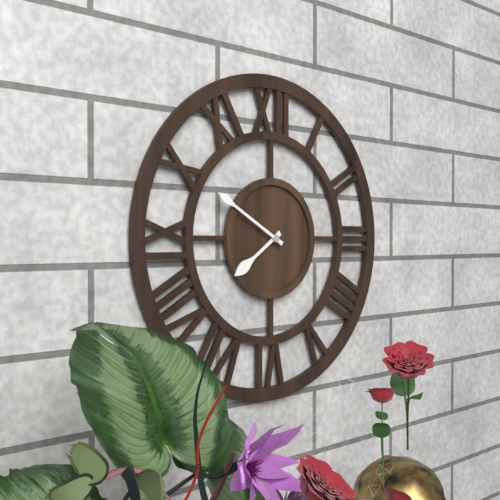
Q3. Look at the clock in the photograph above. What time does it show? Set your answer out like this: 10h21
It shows 7h50
